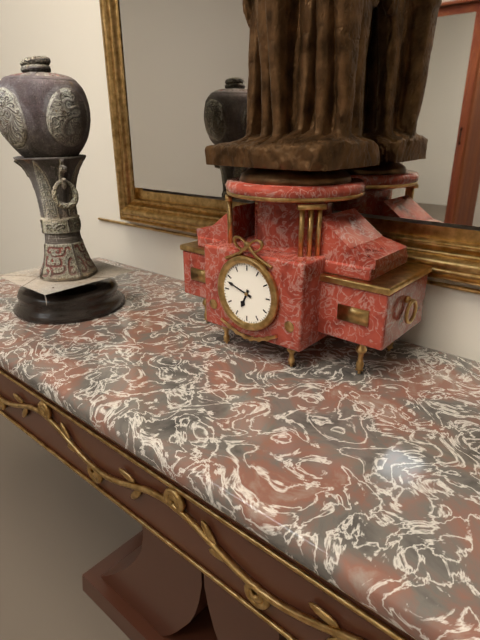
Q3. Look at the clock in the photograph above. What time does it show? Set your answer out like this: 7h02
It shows 6h48
